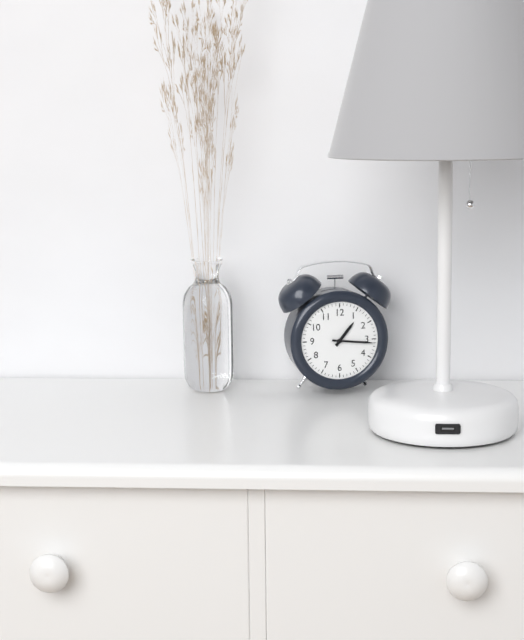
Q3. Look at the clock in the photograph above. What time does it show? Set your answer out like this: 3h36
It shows 1h16
